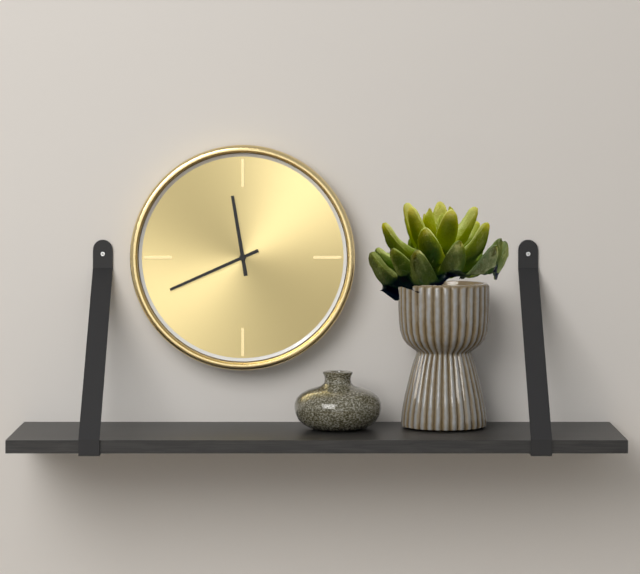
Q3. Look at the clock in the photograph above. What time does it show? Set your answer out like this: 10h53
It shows 11h41
